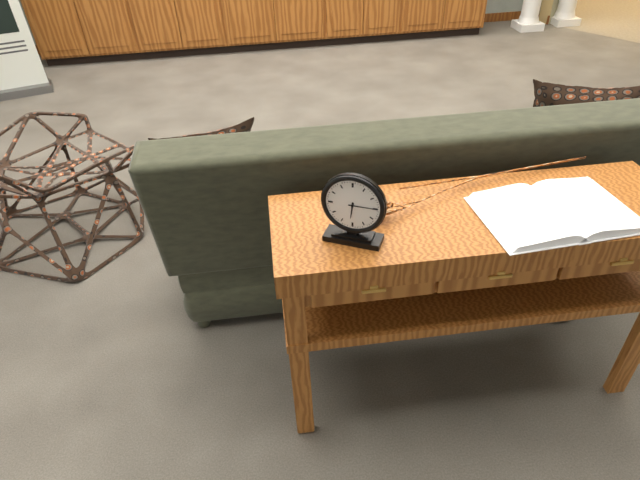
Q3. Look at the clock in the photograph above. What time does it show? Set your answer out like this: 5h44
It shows 6h15
